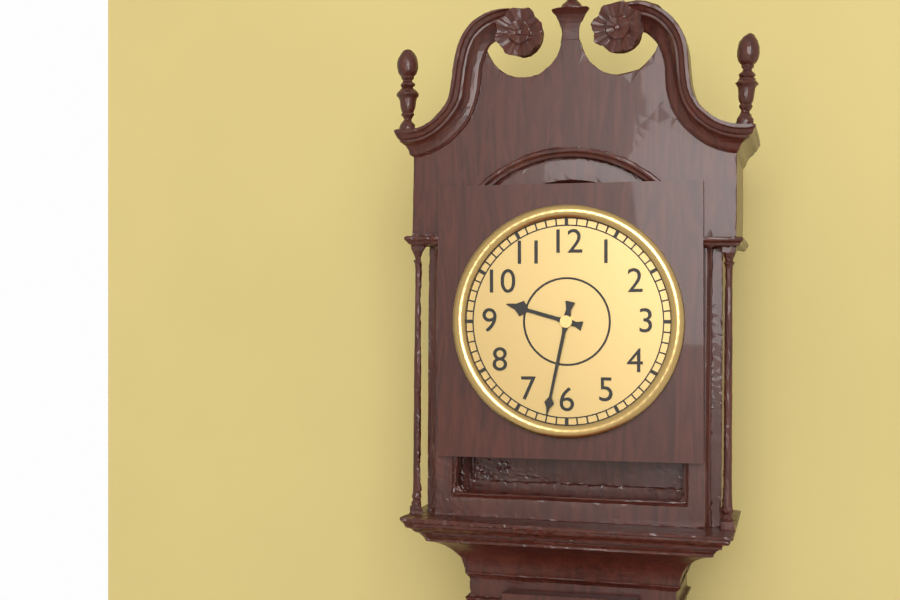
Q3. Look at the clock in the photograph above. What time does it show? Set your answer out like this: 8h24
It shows 9h32
